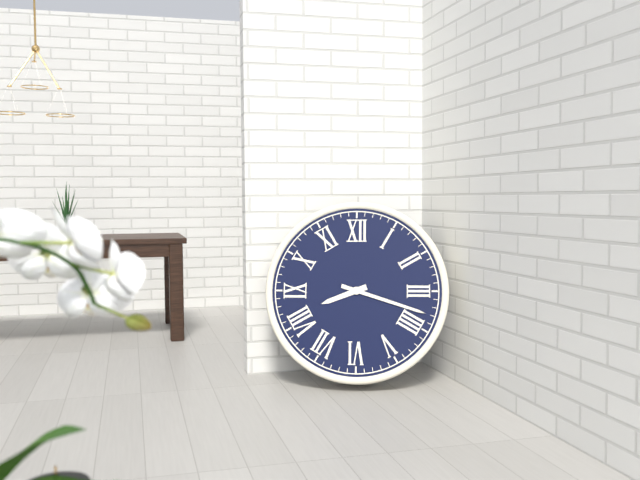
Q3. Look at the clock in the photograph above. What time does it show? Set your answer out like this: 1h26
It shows 8h18
